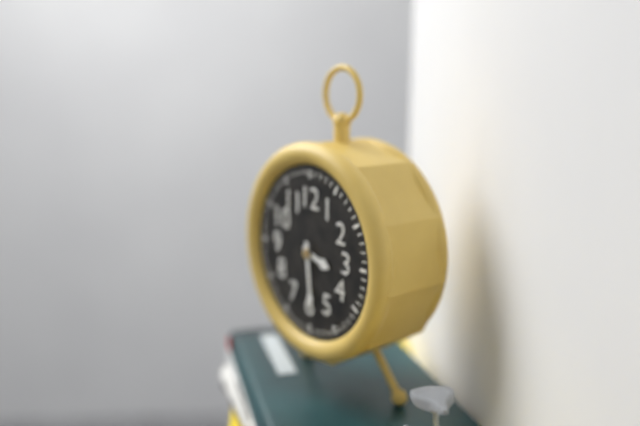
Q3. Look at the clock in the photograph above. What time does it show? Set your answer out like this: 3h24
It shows 3h29
